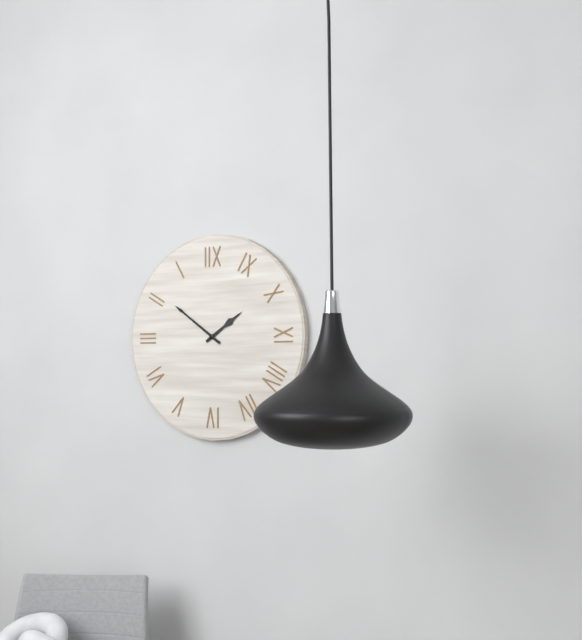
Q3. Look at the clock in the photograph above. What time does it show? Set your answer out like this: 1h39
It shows 1h51
